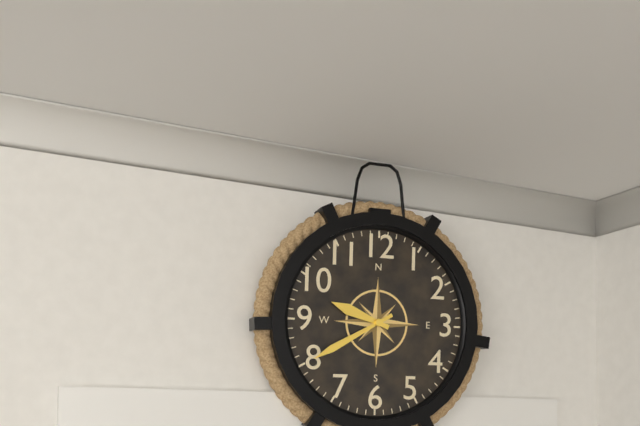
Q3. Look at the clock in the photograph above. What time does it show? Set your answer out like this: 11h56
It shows 9h40
